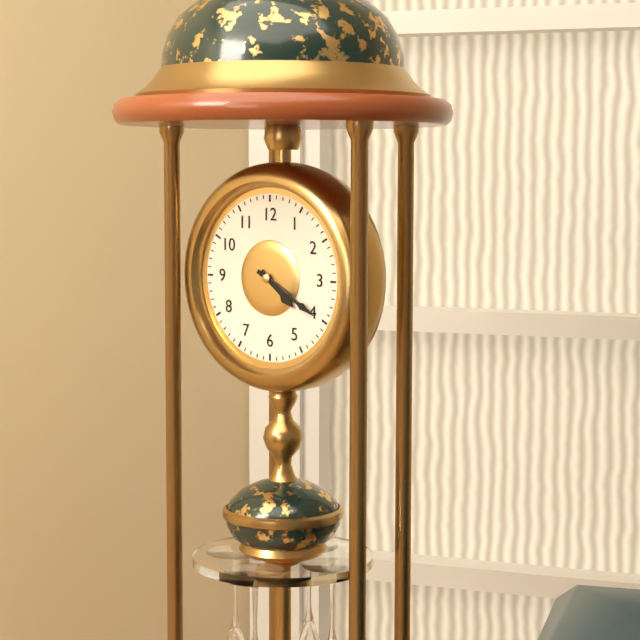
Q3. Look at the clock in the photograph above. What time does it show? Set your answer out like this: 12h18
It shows 4h20
